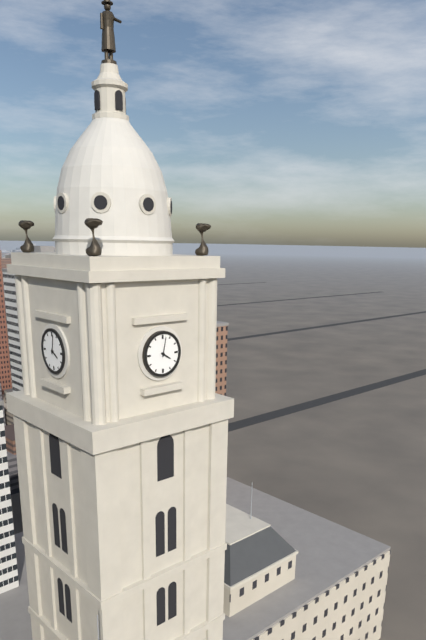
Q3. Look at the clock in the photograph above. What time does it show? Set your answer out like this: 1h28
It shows 4h02
